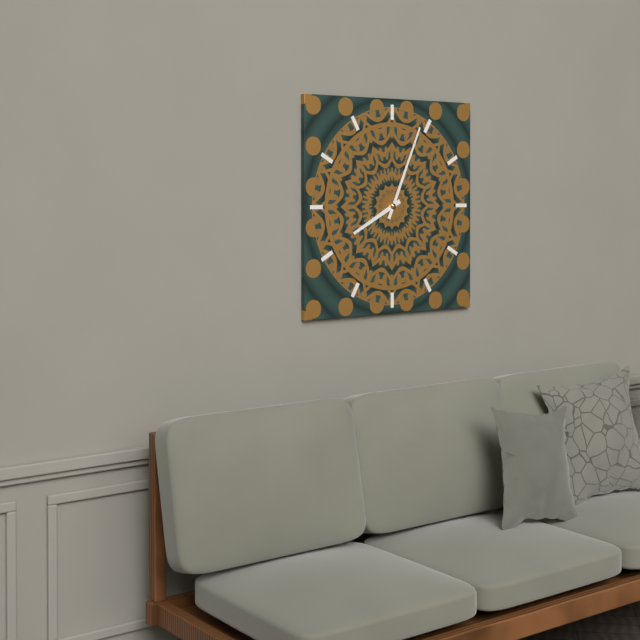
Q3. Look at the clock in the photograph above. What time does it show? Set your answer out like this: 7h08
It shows 8h04
